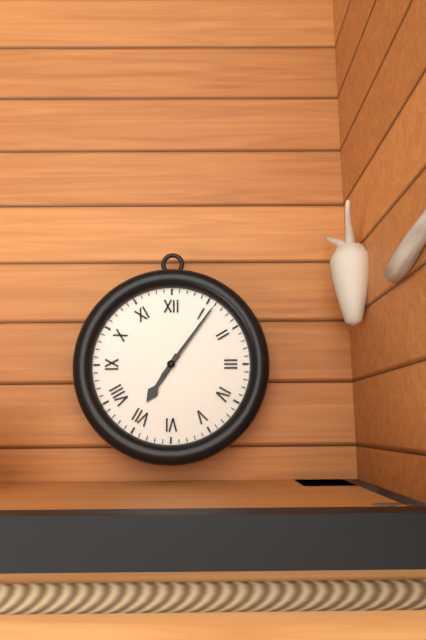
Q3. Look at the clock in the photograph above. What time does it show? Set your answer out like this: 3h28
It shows 7h06
